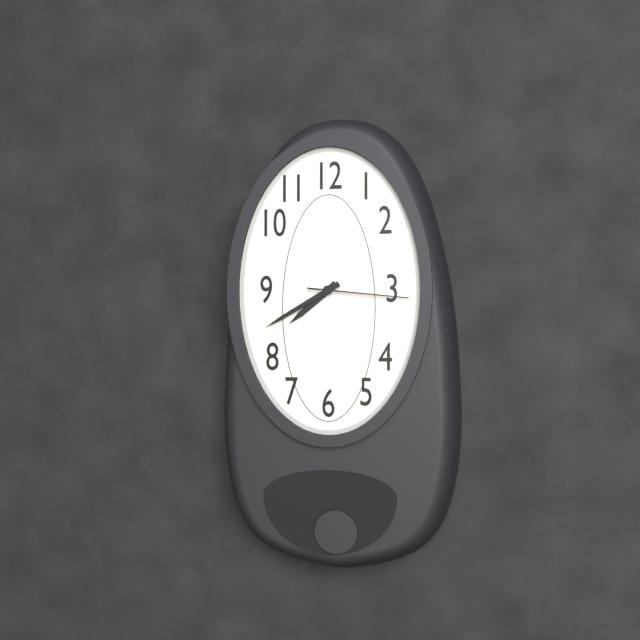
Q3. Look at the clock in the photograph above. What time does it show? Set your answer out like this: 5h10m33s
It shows 7h40m16s
